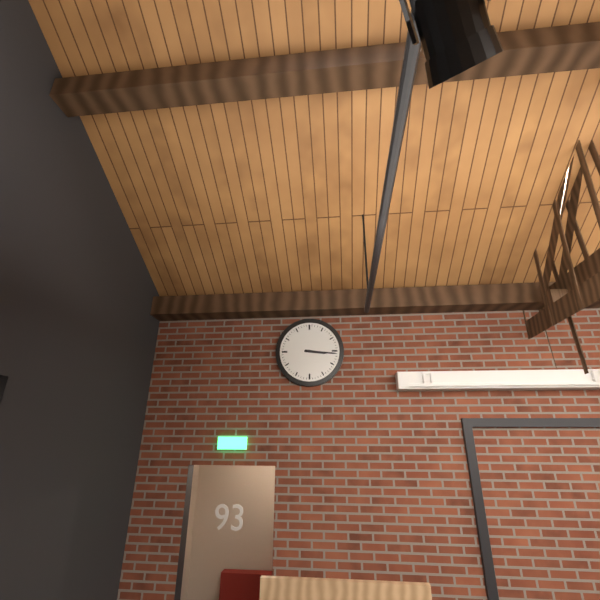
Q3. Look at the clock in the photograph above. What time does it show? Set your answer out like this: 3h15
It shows 3h16
